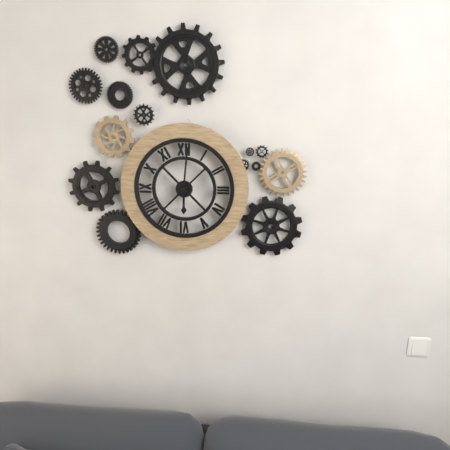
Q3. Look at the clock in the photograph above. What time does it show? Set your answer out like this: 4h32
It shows 6h01
